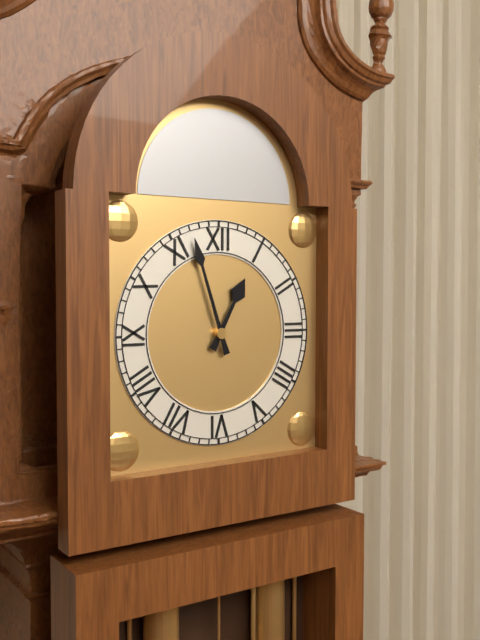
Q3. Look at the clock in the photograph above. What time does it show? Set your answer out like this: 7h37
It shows 12h57
